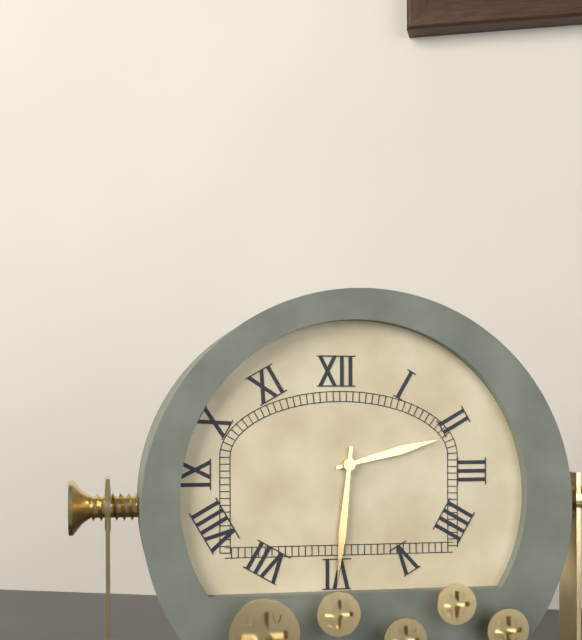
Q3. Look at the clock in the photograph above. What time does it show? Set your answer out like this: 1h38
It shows 2h31
